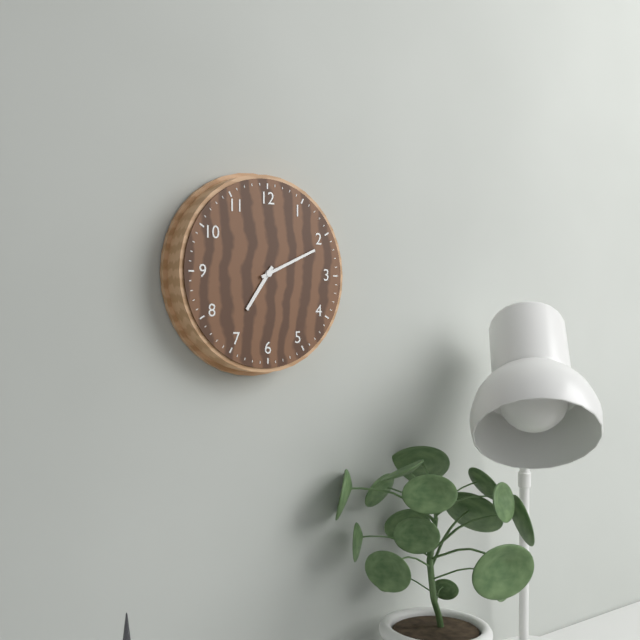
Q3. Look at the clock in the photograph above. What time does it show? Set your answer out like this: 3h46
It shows 7h11
